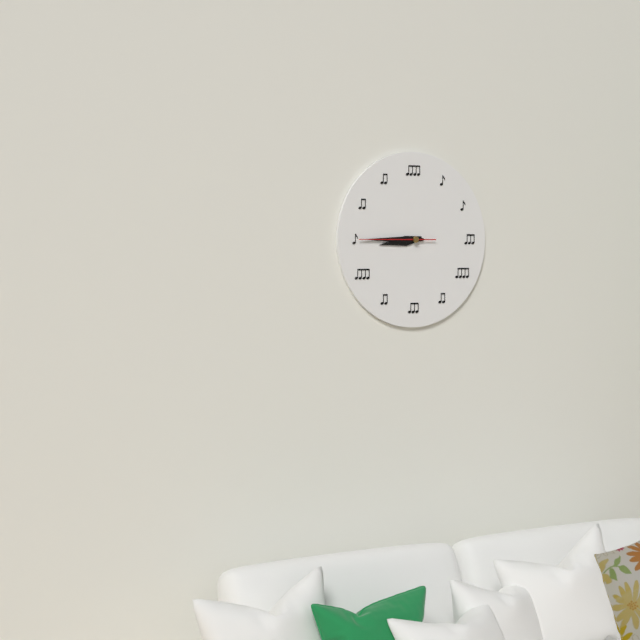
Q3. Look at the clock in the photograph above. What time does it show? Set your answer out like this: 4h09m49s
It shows 8h45m45s
